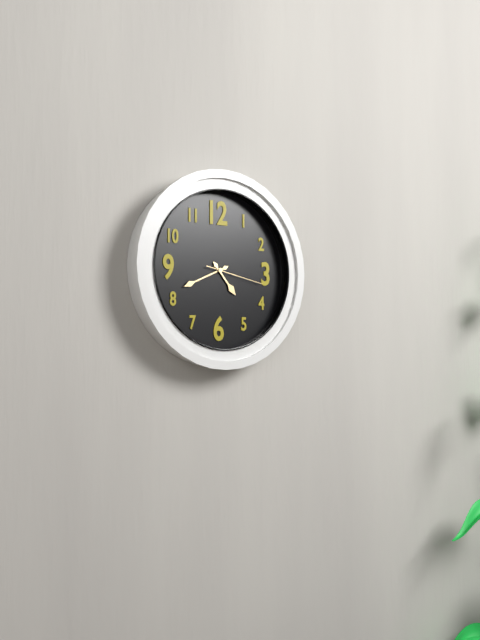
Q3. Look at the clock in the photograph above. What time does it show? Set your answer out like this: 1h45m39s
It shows 4h41m17s
